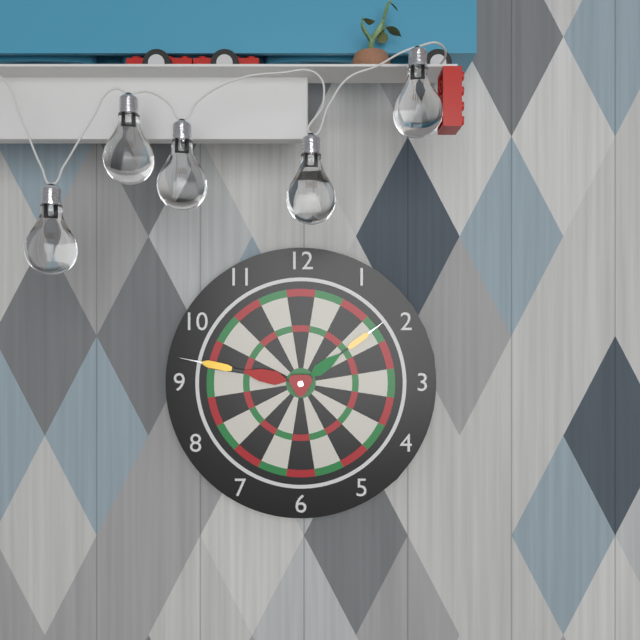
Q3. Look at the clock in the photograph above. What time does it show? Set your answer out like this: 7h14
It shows 1h47
